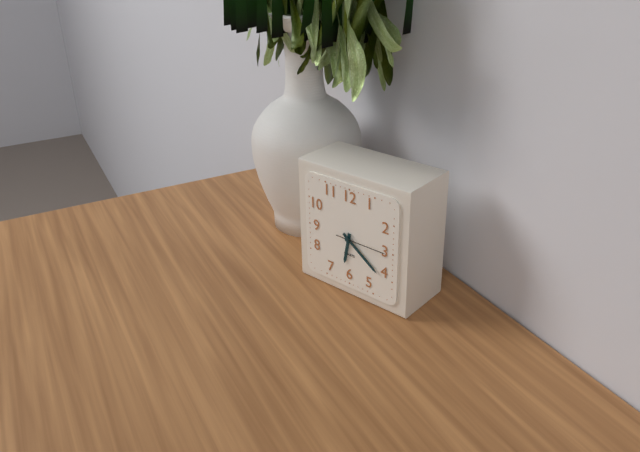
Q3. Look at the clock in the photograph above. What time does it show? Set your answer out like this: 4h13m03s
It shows 6h21m15s
